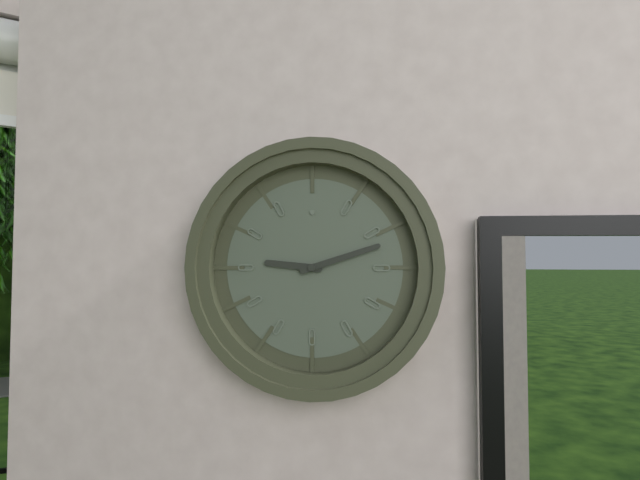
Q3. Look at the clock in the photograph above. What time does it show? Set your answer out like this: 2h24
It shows 9h12
